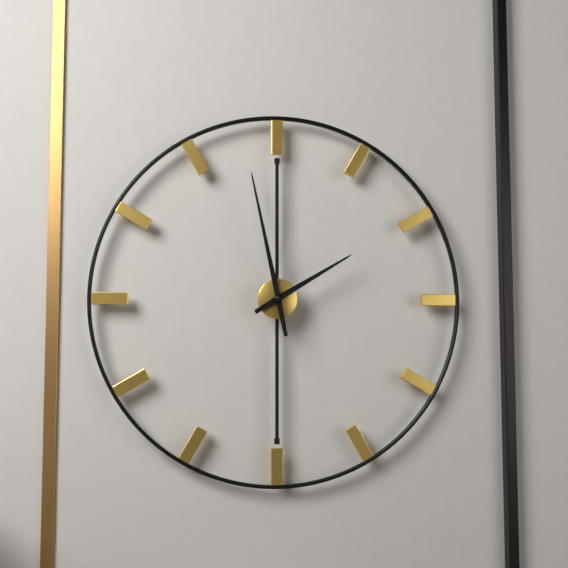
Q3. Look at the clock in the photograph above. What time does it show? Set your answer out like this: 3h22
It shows 1h58
